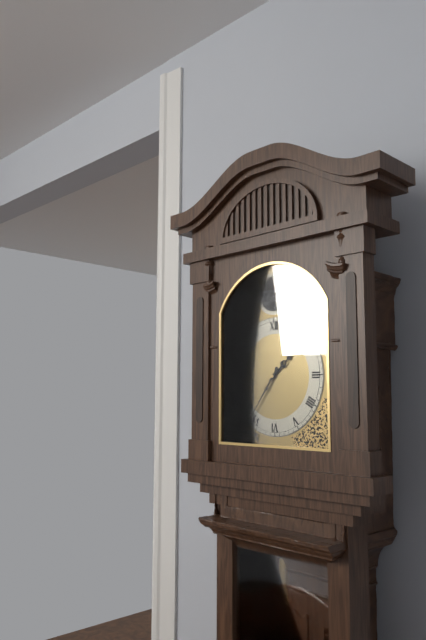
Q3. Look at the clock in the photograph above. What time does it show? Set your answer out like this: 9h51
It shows 1h36
